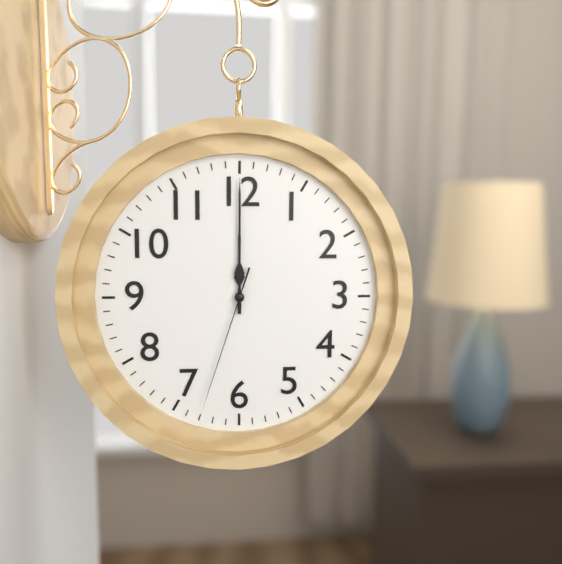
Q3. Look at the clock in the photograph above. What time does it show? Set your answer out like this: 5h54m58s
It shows 12h00m33s
